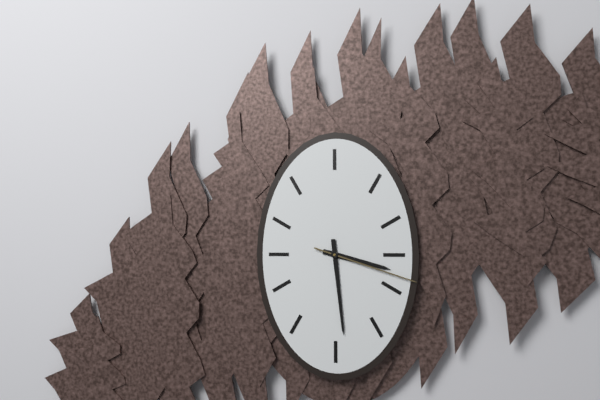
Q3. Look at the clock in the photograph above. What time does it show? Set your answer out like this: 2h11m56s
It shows 3h29m18s
